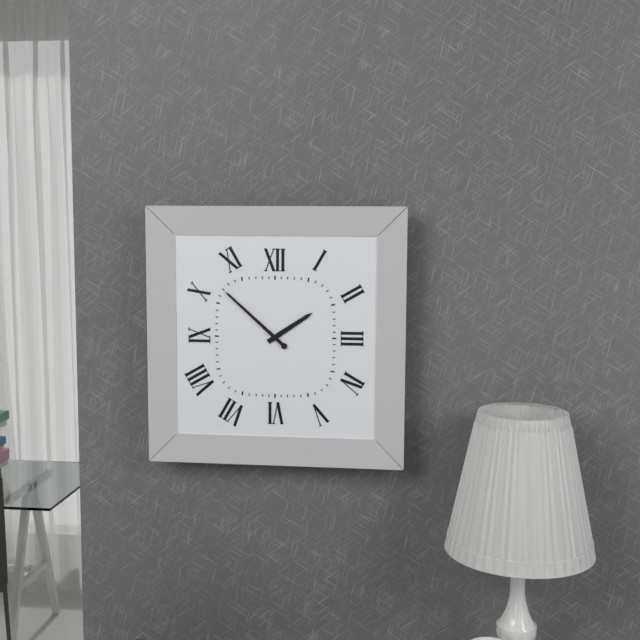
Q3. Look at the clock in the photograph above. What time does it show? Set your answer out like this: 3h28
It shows 1h52
